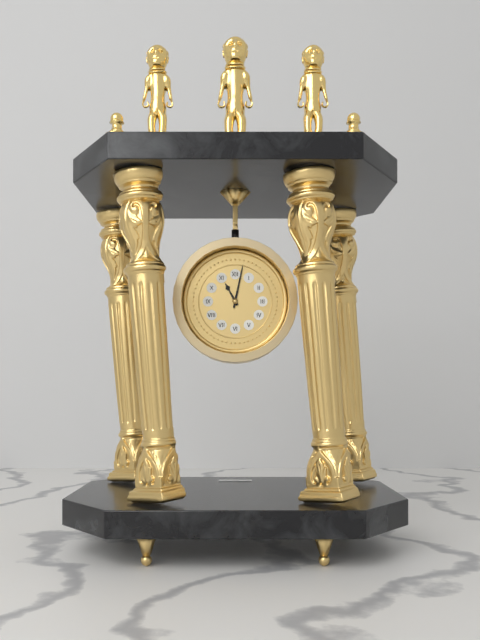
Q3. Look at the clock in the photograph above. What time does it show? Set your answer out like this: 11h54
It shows 11h02
